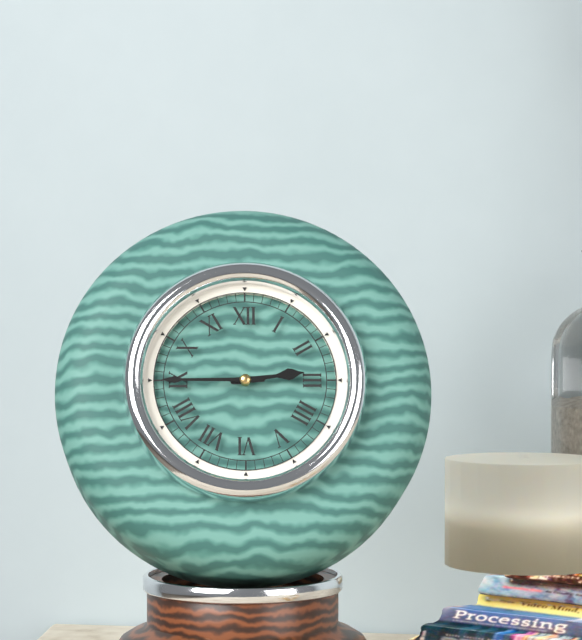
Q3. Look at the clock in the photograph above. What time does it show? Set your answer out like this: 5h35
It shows 2h45
